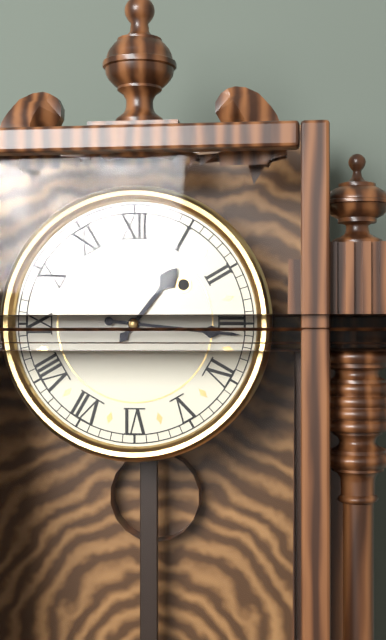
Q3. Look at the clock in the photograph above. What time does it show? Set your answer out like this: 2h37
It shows 1h16
